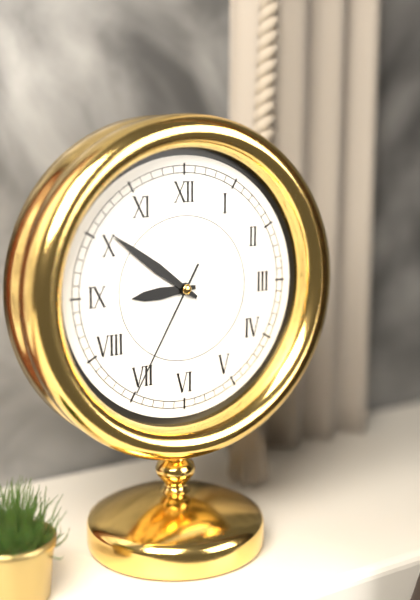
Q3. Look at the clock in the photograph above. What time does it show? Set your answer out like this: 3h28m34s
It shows 8h51m35s
